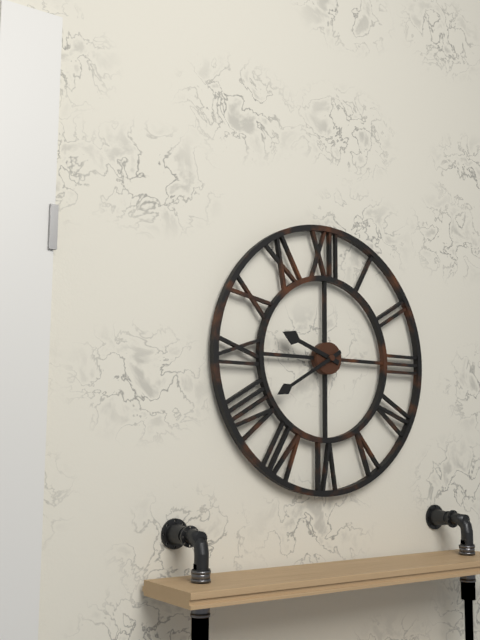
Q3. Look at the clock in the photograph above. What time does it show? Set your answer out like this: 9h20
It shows 9h40
